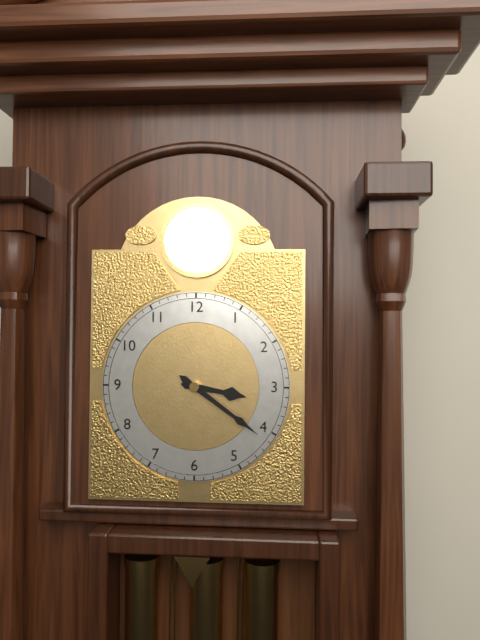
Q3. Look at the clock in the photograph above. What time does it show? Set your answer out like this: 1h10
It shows 3h21
